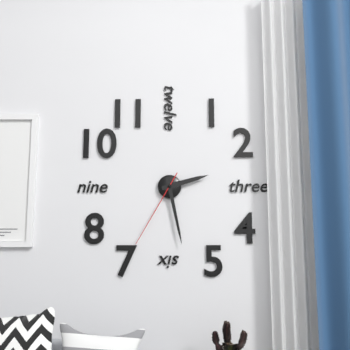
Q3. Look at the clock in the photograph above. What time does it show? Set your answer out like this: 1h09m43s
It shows 2h28m35s
